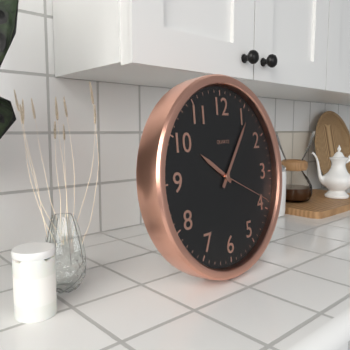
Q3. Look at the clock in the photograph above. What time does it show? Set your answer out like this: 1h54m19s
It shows 10h06m19s
